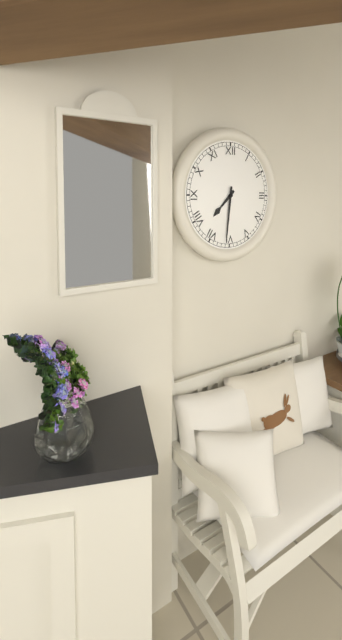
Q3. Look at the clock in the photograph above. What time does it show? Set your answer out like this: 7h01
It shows 7h31
